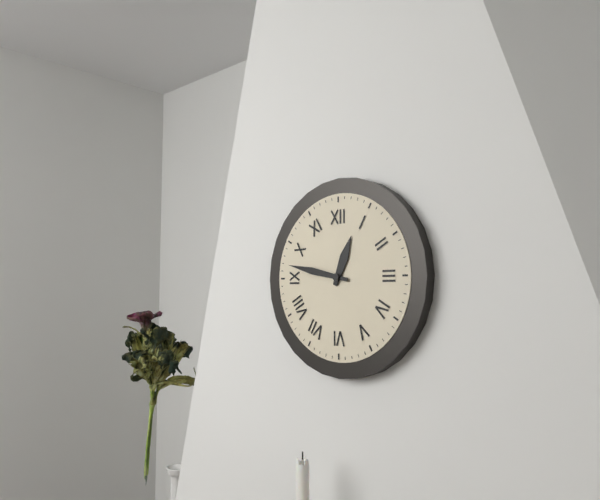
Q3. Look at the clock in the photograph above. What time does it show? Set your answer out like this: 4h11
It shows 12h47
